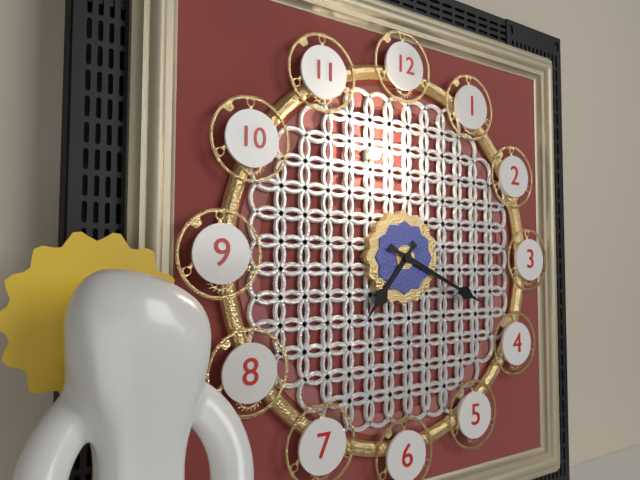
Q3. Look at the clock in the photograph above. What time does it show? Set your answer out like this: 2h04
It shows 7h19
